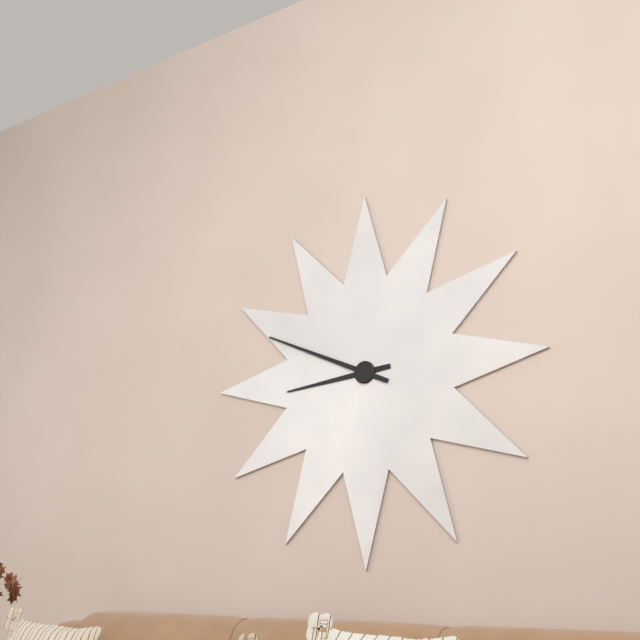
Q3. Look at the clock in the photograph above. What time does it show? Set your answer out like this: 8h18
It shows 8h49
